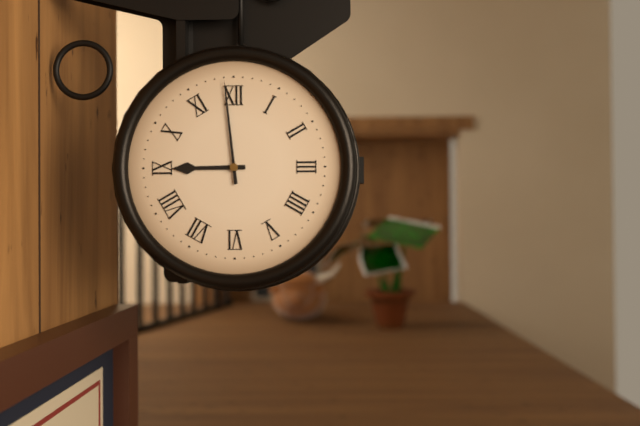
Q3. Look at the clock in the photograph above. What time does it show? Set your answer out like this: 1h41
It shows 8h59
